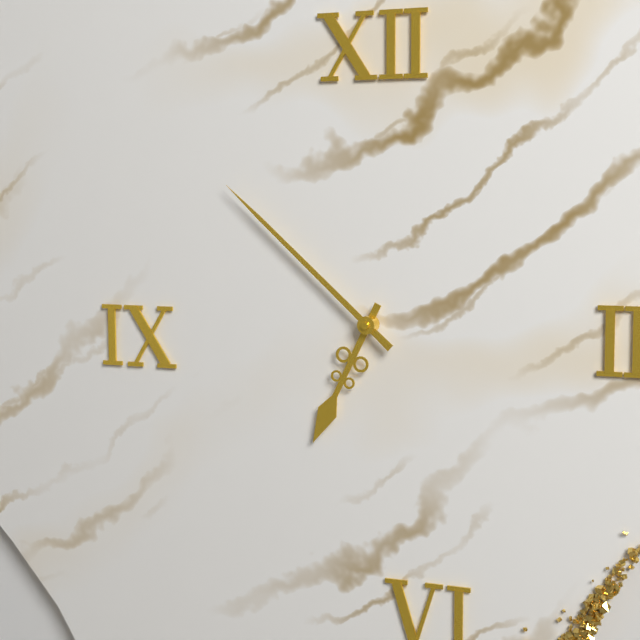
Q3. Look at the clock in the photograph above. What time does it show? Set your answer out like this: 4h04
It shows 6h52
